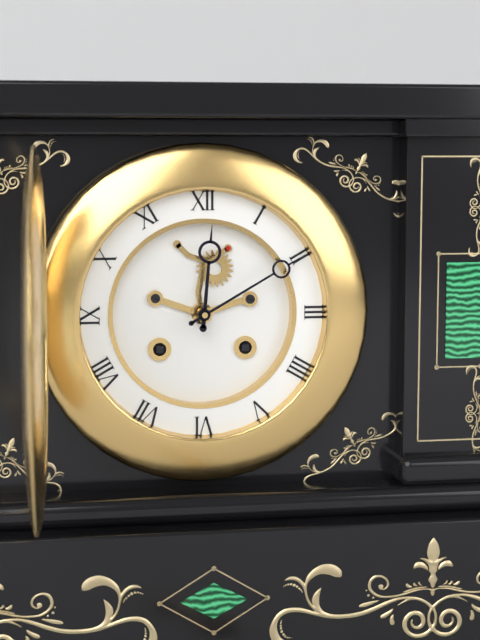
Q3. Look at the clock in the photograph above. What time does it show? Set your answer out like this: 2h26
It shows 12h10
